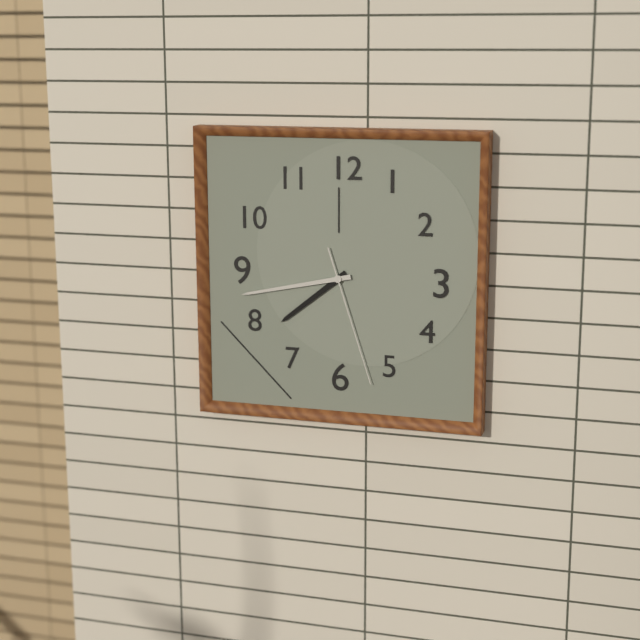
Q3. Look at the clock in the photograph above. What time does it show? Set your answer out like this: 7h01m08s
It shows 7h43m27s
